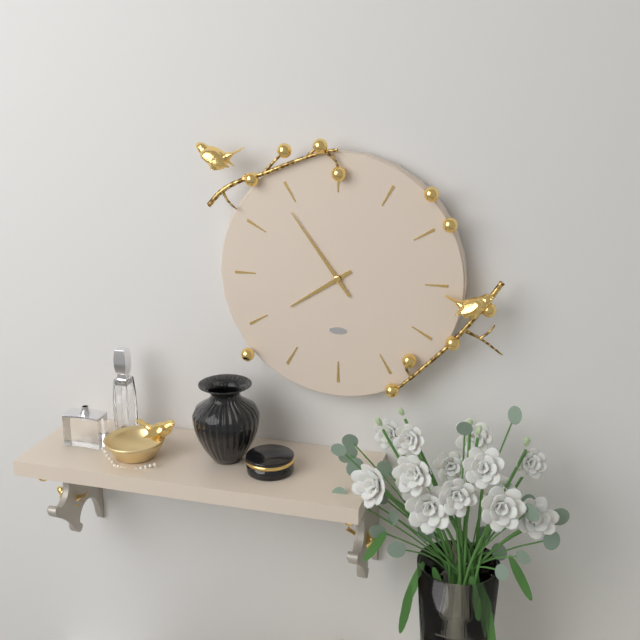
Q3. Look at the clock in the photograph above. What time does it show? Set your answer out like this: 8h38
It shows 7h54
